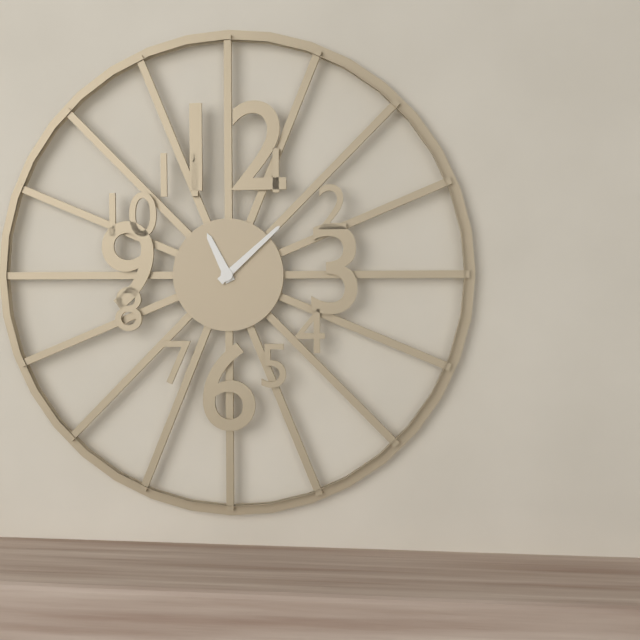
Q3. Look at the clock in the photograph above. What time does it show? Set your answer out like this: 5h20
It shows 11h08
